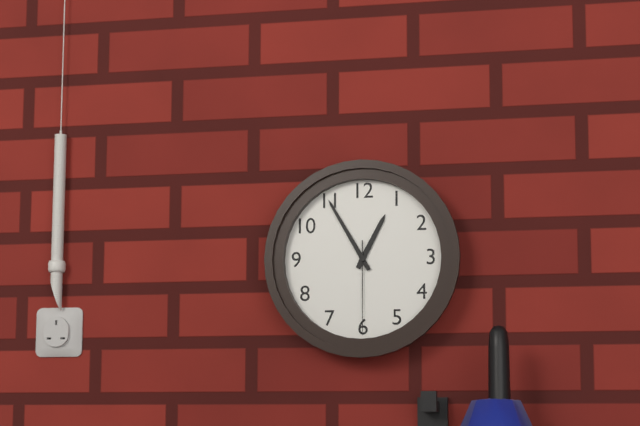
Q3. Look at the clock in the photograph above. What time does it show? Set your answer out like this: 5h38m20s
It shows 12h55m30s
